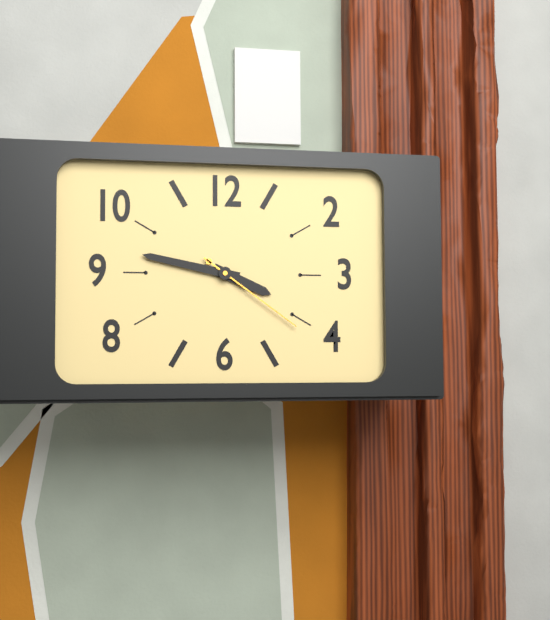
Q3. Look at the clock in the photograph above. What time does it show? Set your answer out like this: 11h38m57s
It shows 3h47m21s
